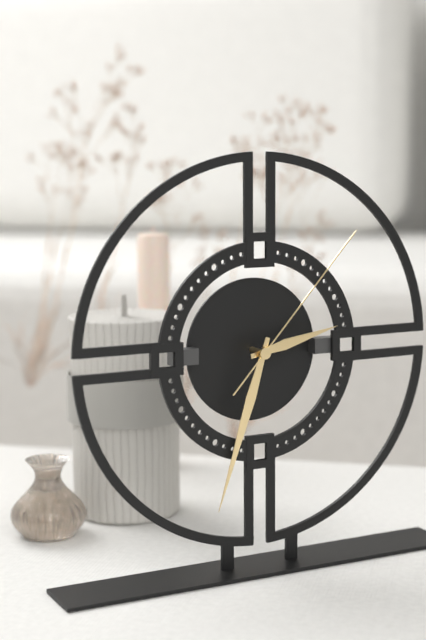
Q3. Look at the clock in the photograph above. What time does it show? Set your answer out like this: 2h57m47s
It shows 2h33m07s
